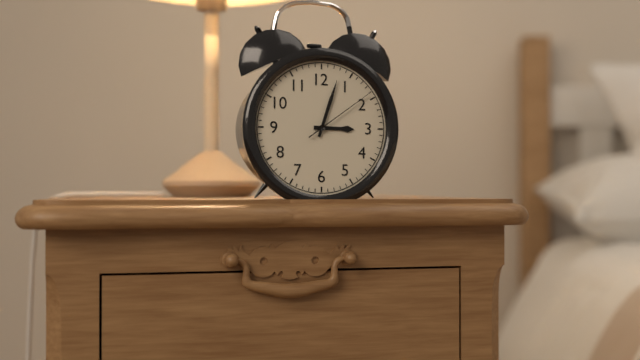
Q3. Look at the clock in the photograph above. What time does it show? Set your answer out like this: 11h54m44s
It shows 3h03m09s
